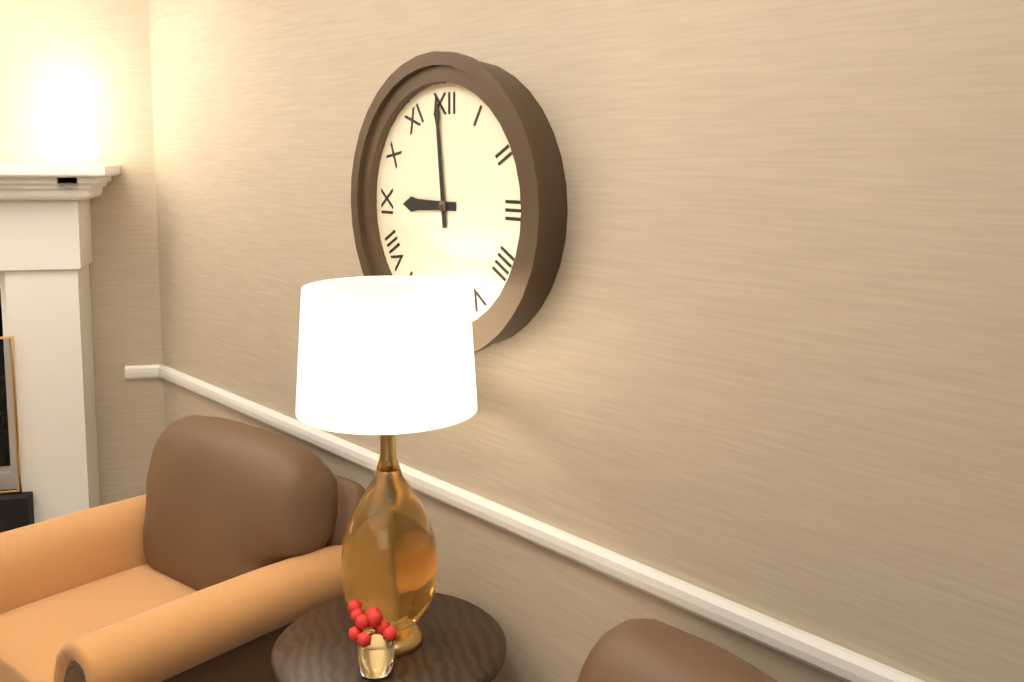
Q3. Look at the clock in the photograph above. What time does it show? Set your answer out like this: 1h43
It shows 8h59
